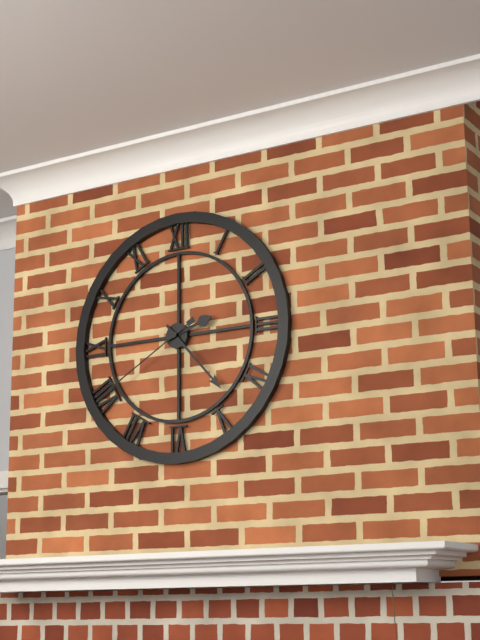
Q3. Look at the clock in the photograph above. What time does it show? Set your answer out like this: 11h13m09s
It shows 2h23m40s
